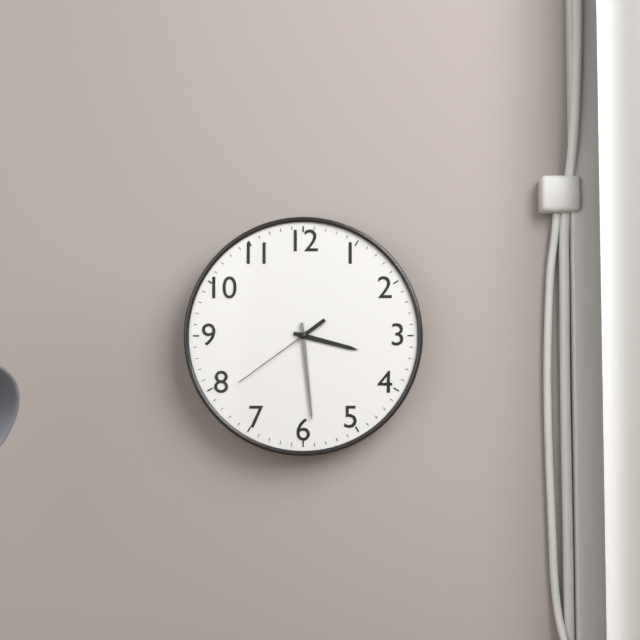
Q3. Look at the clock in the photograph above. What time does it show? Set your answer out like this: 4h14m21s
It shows 3h29m39s
